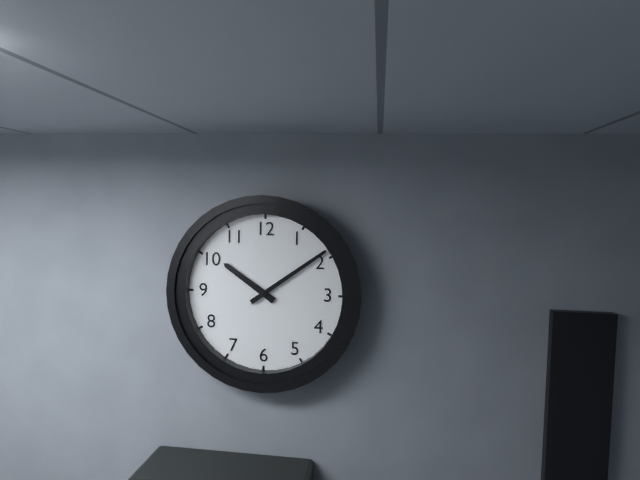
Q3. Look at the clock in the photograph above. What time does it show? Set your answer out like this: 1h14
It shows 10h09
